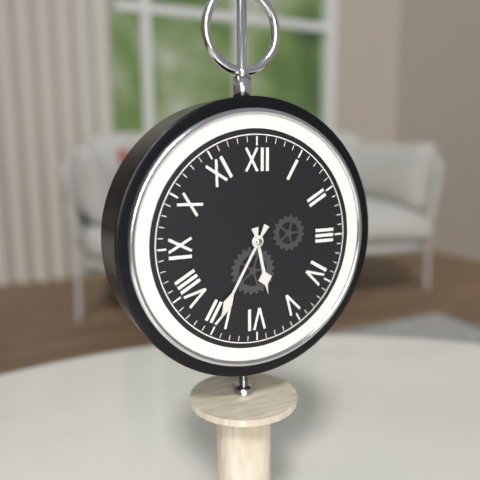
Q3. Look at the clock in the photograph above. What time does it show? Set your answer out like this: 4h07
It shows 5h35
